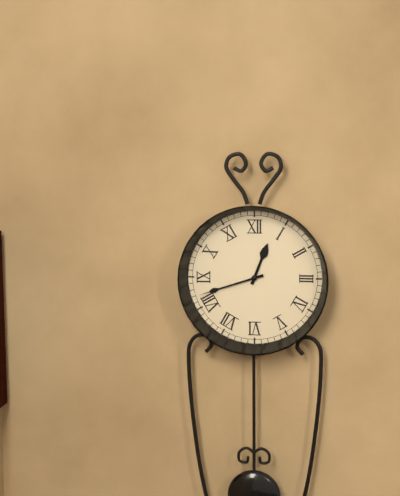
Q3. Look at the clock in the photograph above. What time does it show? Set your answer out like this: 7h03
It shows 12h42
